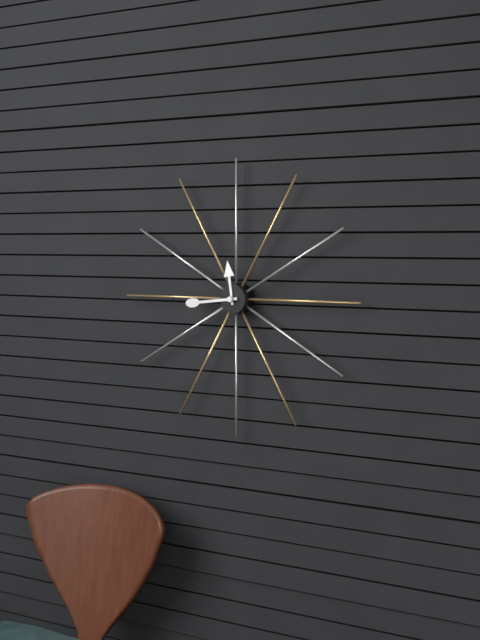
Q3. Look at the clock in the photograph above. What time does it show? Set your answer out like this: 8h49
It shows 11h44
